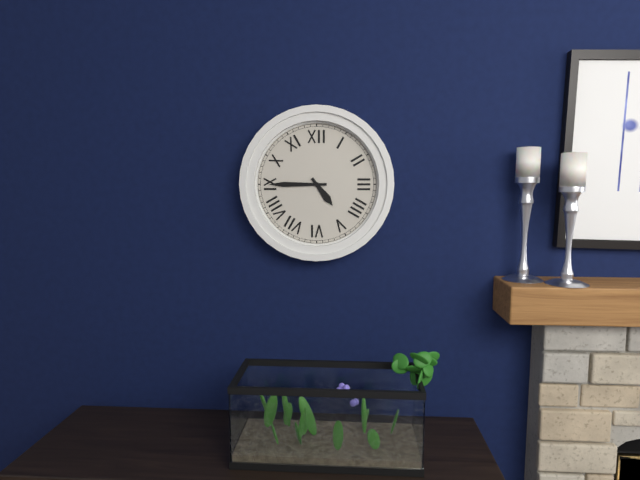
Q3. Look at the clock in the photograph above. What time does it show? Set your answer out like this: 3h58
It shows 4h45
